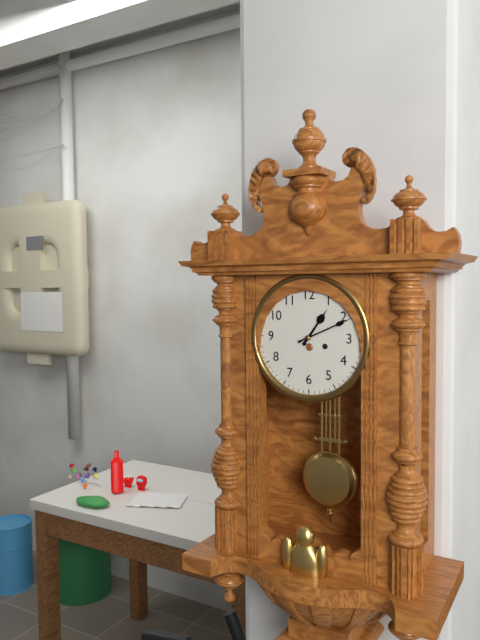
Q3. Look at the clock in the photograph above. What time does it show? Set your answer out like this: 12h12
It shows 1h11
